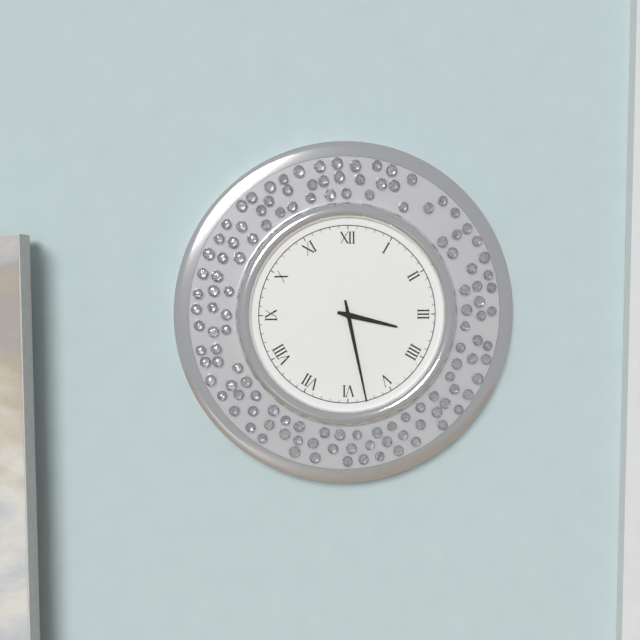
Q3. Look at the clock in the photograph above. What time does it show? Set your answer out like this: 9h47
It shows 3h28
